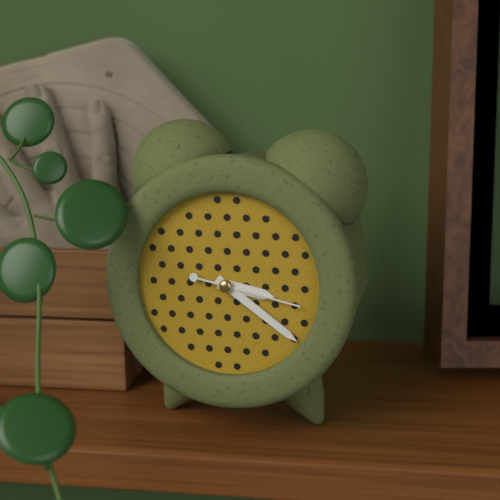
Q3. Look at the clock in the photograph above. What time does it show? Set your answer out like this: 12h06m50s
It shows 3h21m17s
